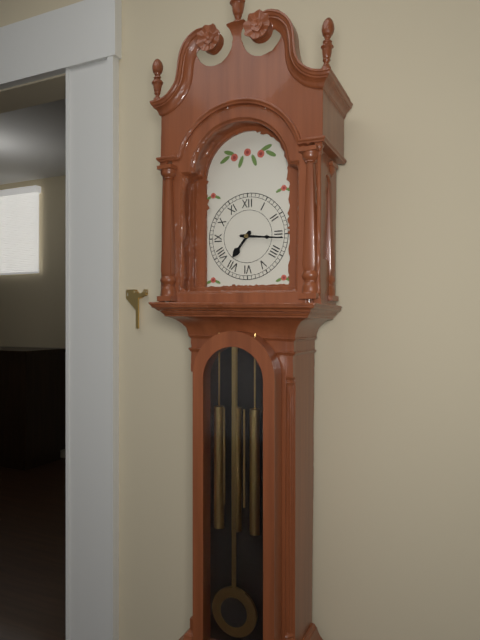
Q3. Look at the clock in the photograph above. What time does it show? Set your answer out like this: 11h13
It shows 7h16
